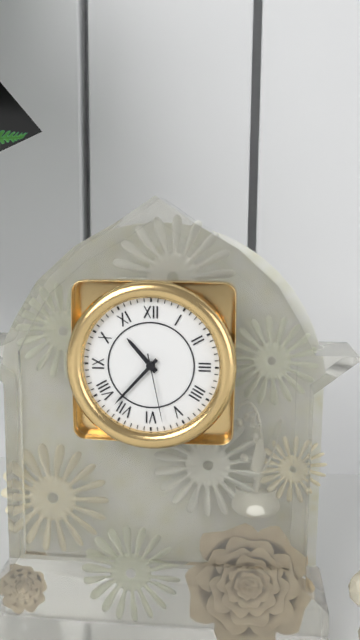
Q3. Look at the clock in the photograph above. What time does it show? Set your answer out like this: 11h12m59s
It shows 10h37m28s
